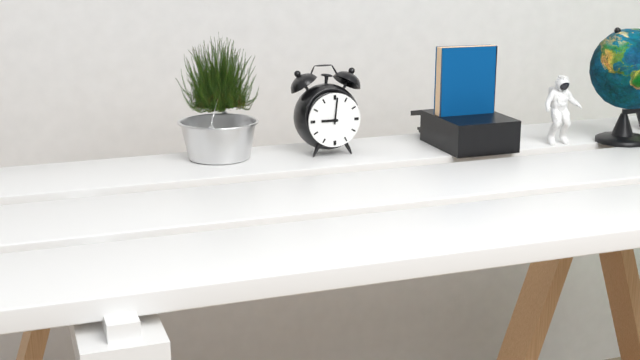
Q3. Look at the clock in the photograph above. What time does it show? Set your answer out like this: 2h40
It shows 9h01
